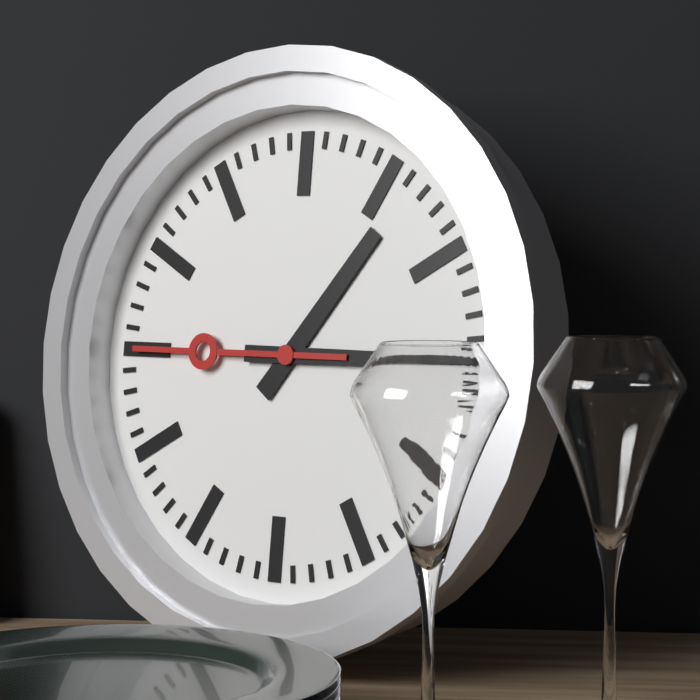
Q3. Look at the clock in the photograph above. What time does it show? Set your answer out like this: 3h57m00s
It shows 1h15m45s
